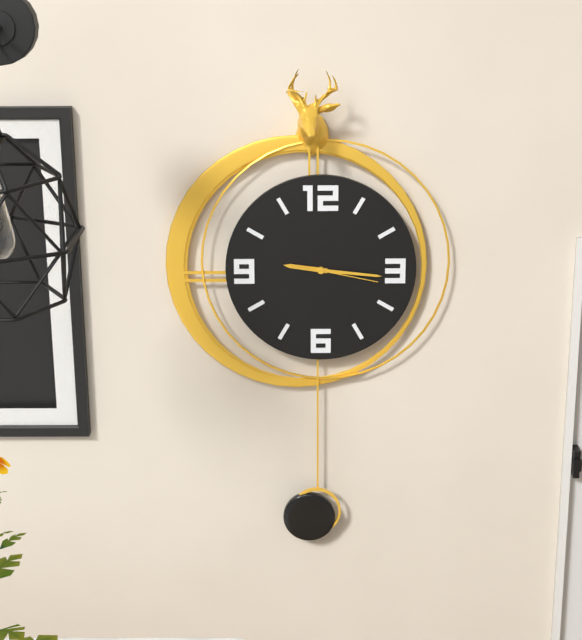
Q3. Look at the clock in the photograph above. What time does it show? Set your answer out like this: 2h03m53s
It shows 9h16m17s
